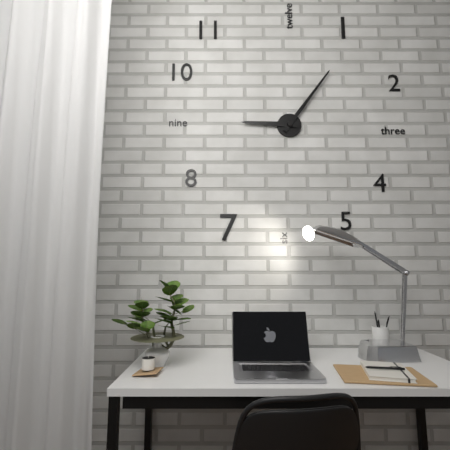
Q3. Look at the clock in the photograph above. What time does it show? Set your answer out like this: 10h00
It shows 9h06
